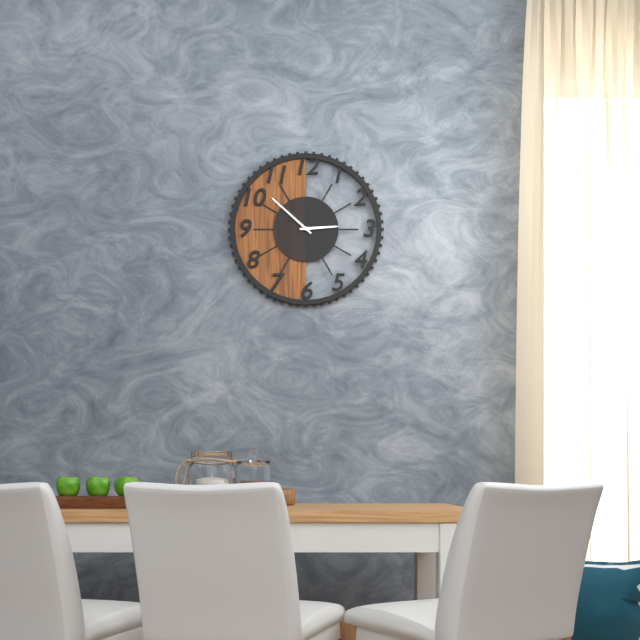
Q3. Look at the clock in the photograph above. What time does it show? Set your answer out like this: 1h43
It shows 2h52
